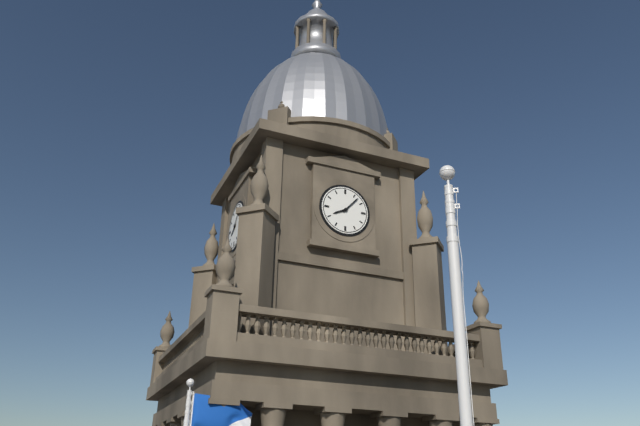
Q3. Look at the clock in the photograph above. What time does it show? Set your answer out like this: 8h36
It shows 8h07
